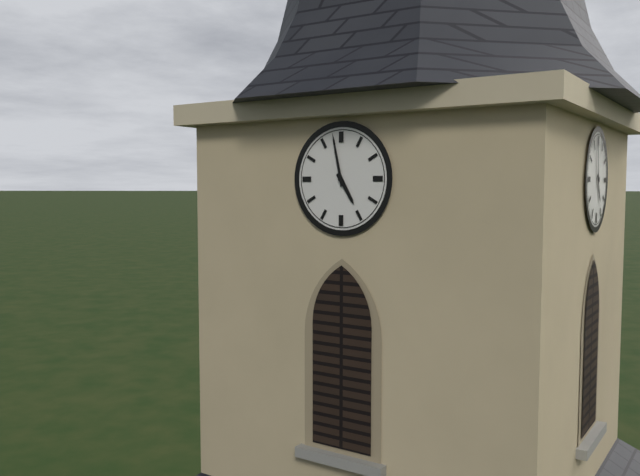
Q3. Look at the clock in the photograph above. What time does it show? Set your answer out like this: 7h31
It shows 4h58
